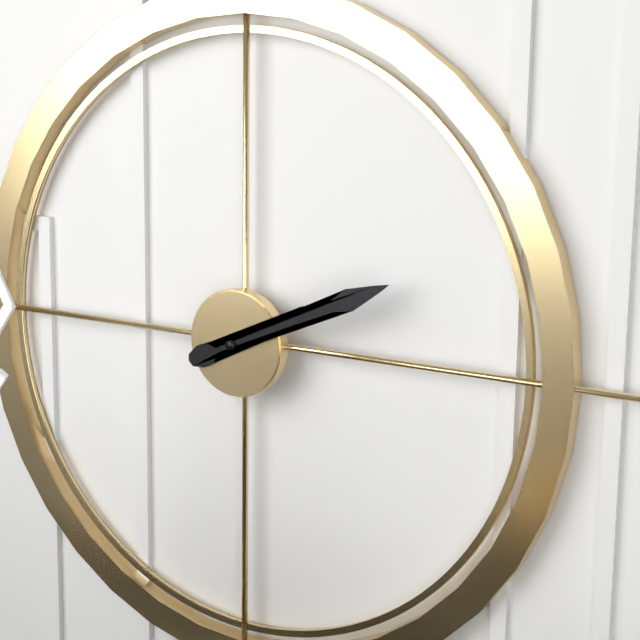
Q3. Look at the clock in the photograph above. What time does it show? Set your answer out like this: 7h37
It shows 2h11
